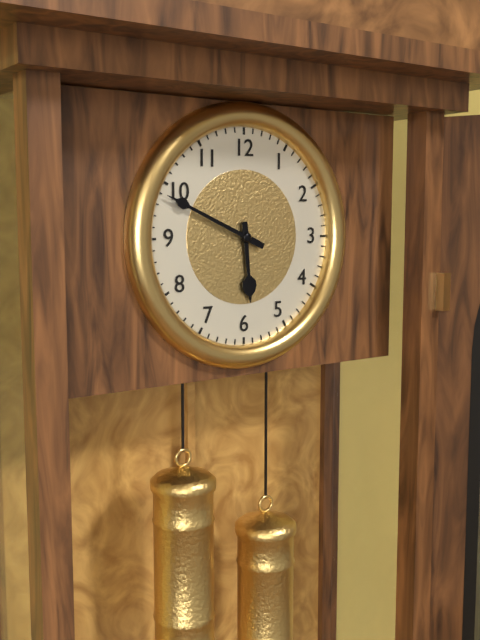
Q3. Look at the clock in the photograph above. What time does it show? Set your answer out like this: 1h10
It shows 5h49
